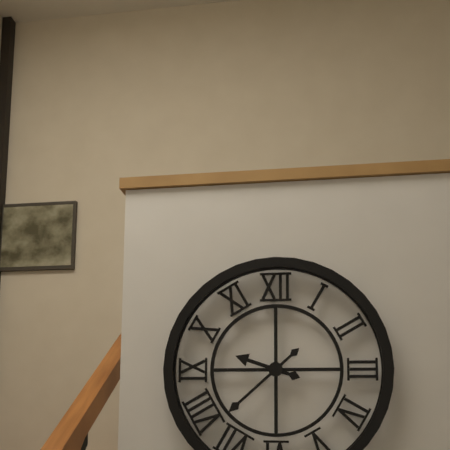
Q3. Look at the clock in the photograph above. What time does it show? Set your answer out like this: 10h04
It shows 9h38
